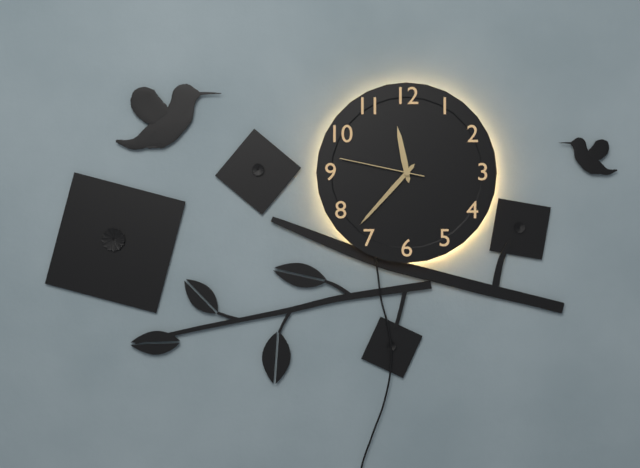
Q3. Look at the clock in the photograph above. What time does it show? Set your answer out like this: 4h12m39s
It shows 11h37m47s
